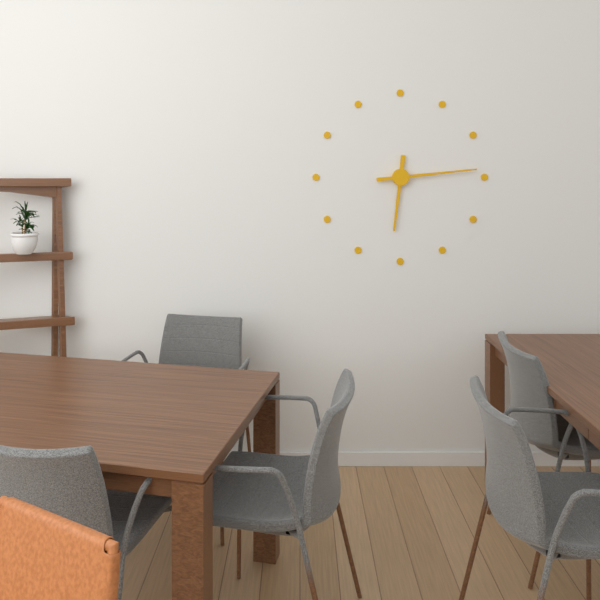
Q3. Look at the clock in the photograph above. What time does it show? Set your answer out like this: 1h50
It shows 6h14
